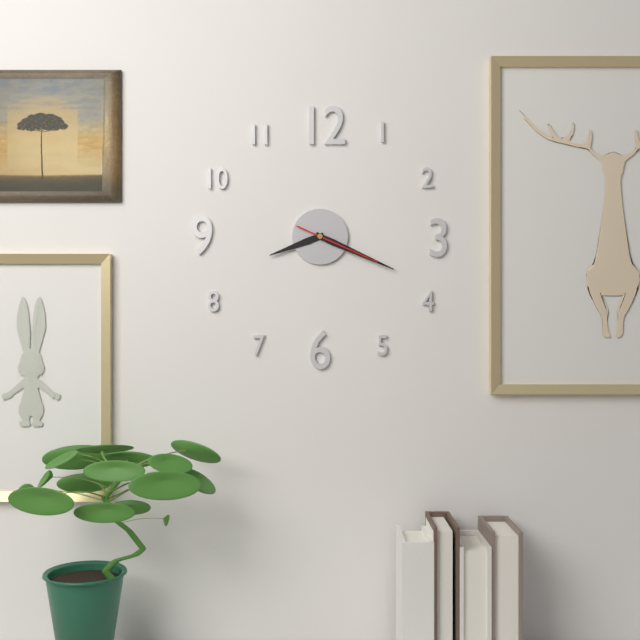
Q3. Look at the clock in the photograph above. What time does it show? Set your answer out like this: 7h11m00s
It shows 8h19m19s
